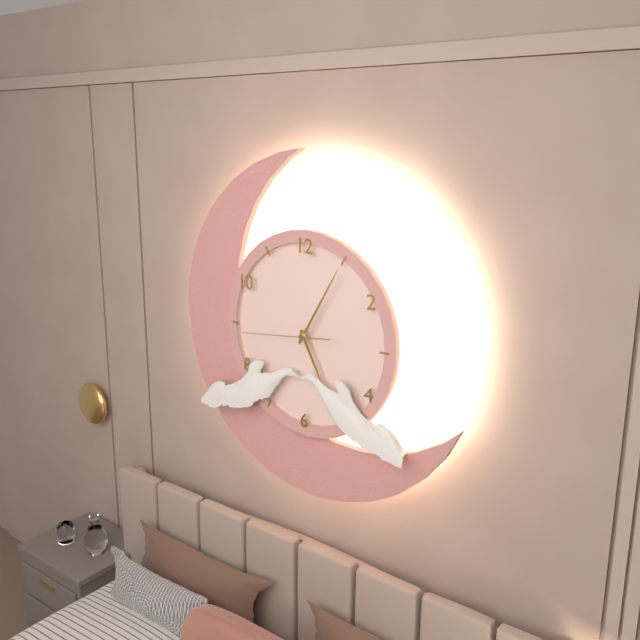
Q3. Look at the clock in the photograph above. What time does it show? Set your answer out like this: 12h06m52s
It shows 5h05m44s
